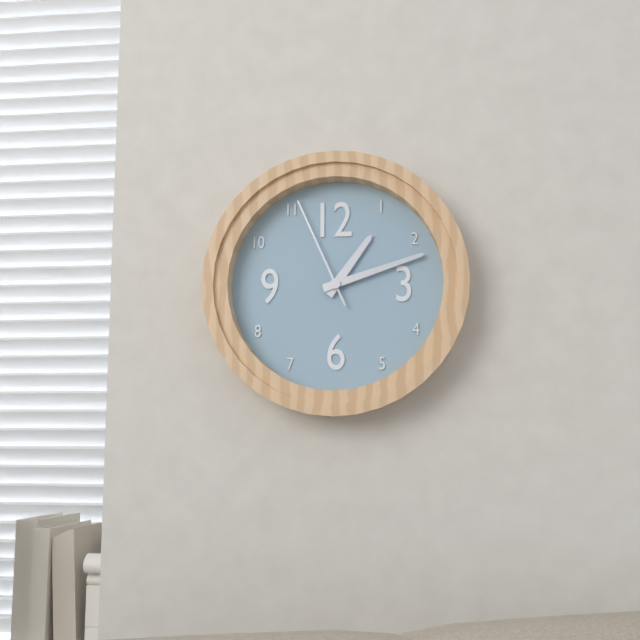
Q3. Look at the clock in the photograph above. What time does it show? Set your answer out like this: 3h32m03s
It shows 1h12m56s
